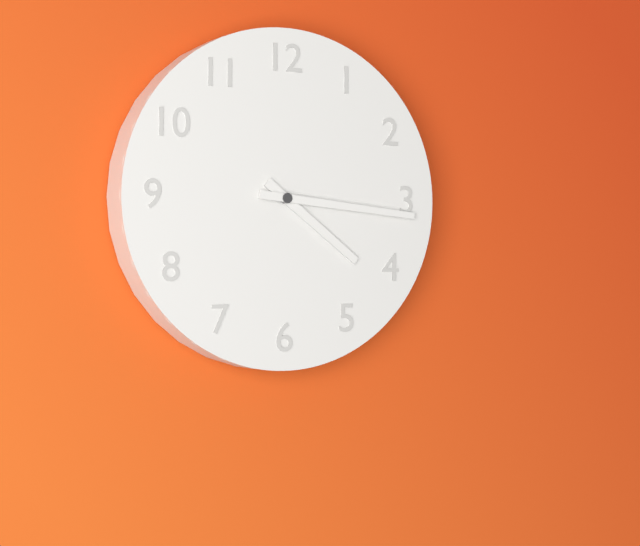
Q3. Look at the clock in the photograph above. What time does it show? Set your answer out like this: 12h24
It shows 4h16
